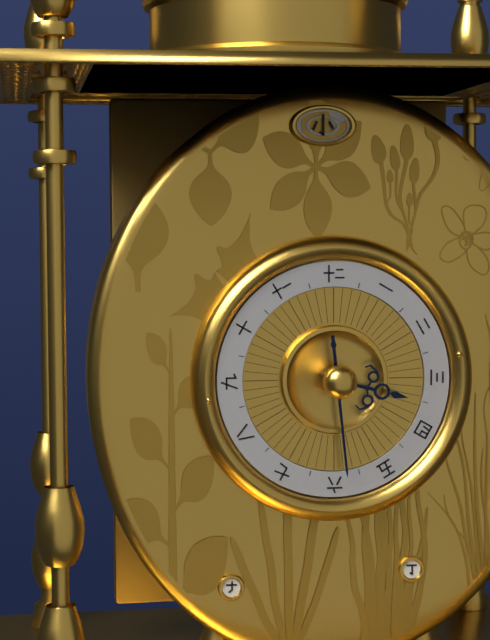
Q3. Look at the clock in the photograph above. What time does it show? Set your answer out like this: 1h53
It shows 3h29
